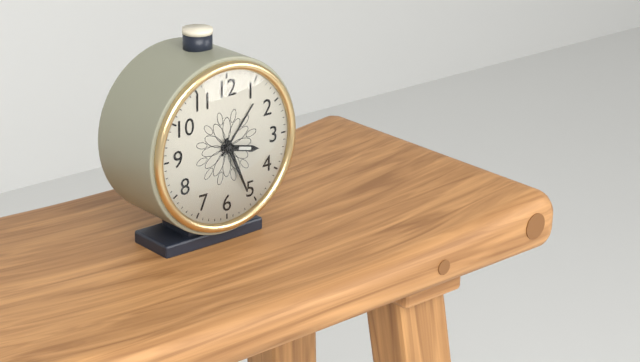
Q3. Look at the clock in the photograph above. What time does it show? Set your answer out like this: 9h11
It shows 3h26
